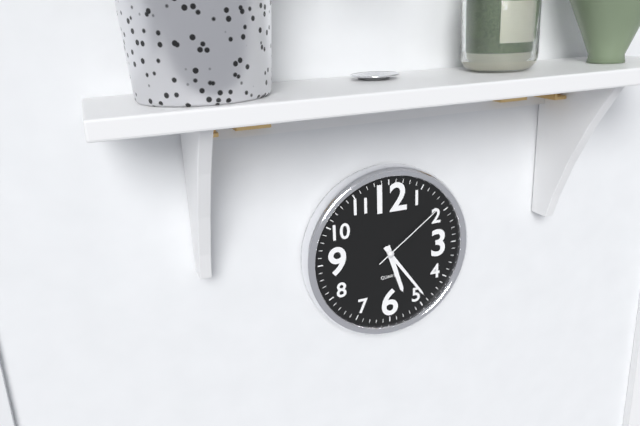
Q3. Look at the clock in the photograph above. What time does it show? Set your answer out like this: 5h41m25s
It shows 5h24m09s
